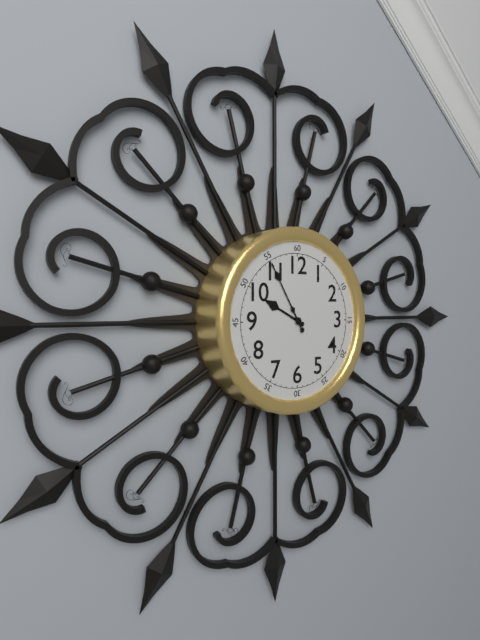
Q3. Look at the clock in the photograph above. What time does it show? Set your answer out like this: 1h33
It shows 9h55
